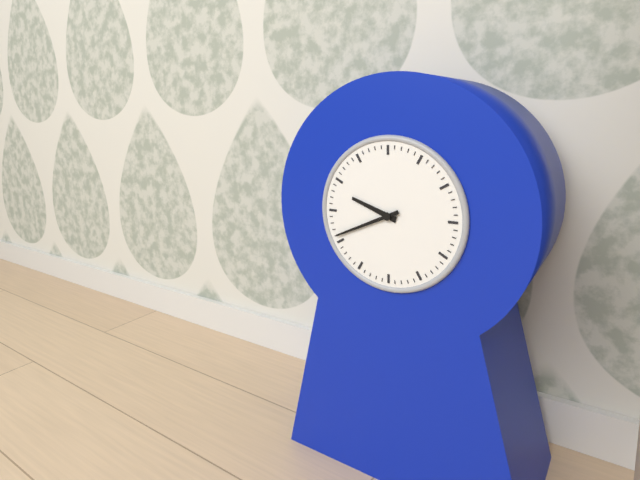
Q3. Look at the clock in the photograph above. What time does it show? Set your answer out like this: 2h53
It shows 9h41
